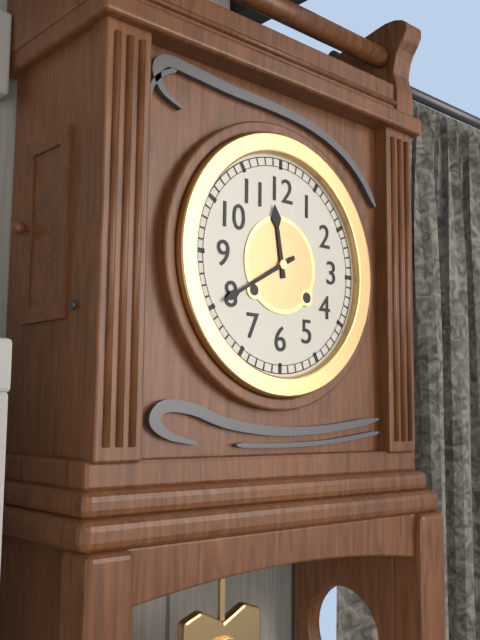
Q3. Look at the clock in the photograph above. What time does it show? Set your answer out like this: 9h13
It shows 11h40
